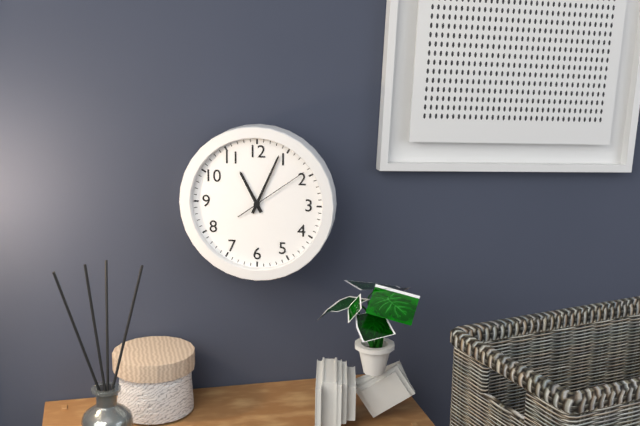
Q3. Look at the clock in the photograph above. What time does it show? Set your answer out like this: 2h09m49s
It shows 11h04m09s
